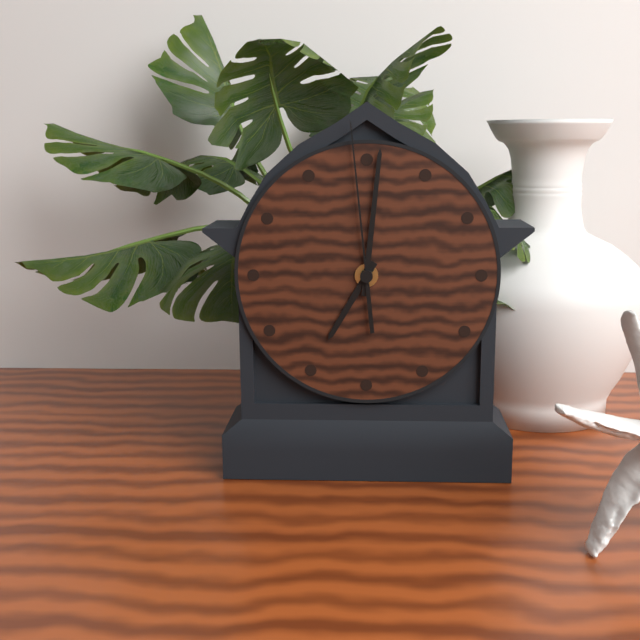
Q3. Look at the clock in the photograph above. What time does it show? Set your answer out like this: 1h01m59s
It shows 7h01m59s
